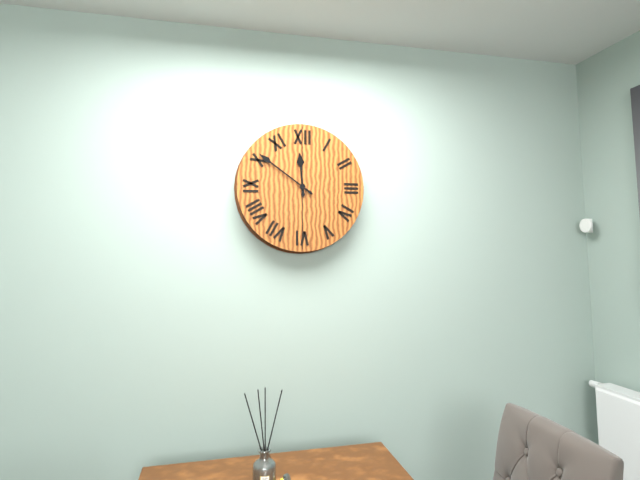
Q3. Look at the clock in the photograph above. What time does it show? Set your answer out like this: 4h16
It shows 11h51
